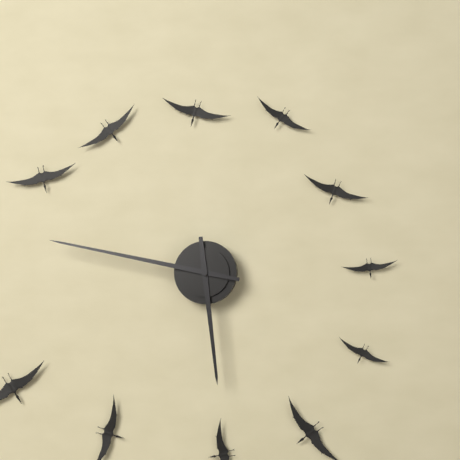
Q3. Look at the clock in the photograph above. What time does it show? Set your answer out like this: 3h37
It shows 5h47
